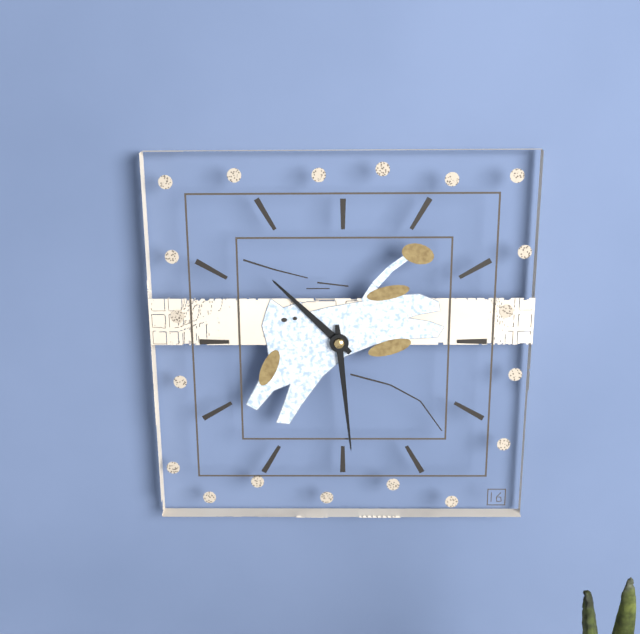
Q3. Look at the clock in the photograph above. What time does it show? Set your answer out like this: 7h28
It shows 10h29
